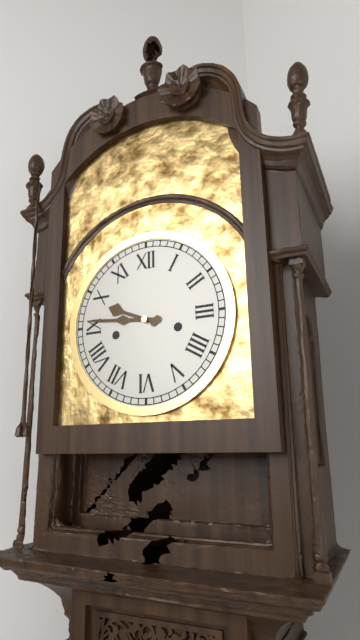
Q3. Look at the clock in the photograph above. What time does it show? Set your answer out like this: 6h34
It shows 9h46
